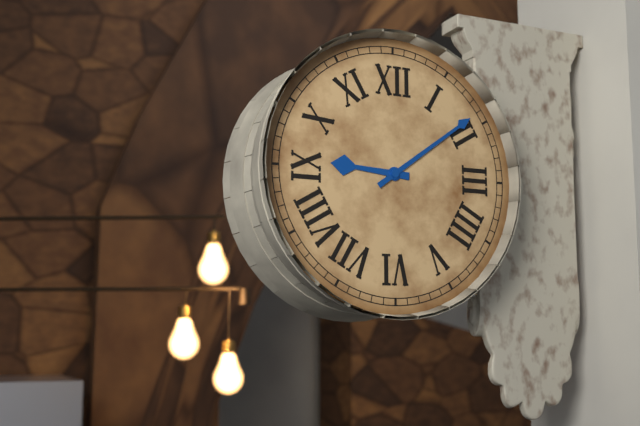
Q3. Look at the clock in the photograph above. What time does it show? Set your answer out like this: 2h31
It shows 9h09
